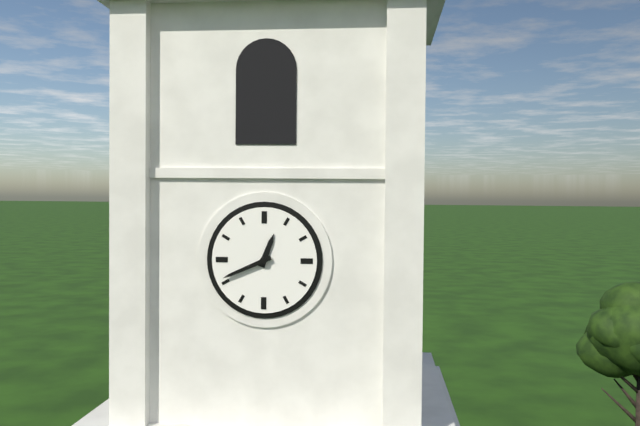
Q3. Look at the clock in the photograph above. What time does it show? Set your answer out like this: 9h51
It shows 12h41
